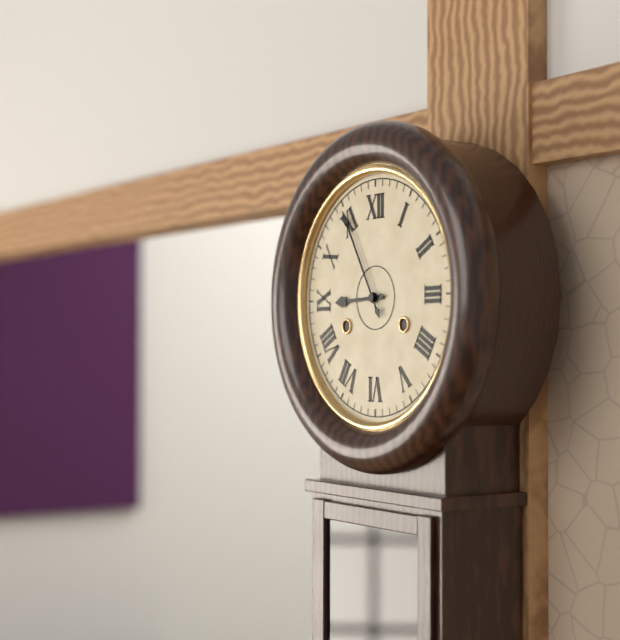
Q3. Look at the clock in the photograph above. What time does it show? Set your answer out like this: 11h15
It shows 8h55
